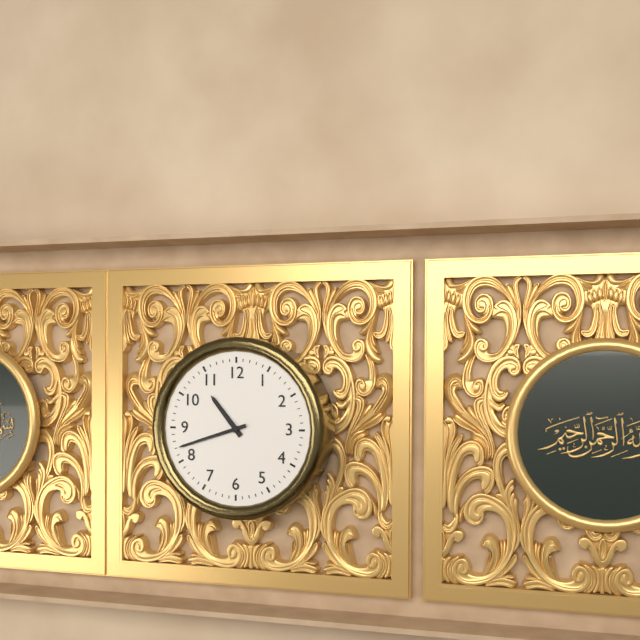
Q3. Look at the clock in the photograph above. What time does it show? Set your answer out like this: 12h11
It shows 10h42
